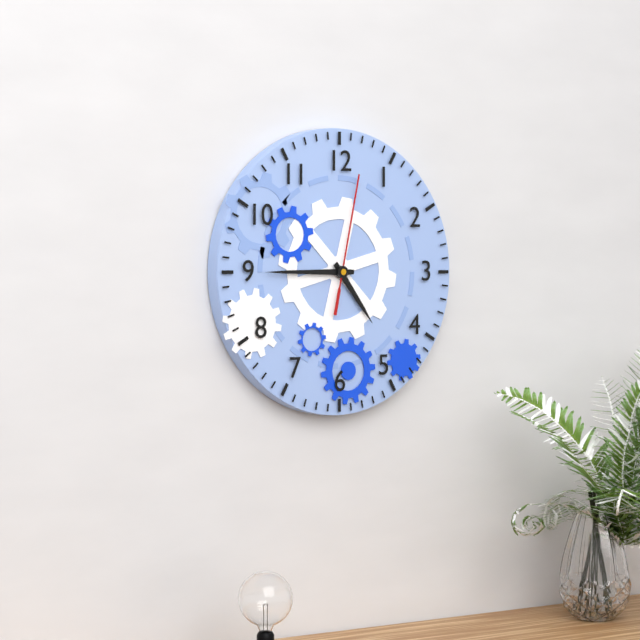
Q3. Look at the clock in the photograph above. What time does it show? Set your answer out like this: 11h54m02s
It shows 4h45m02s
